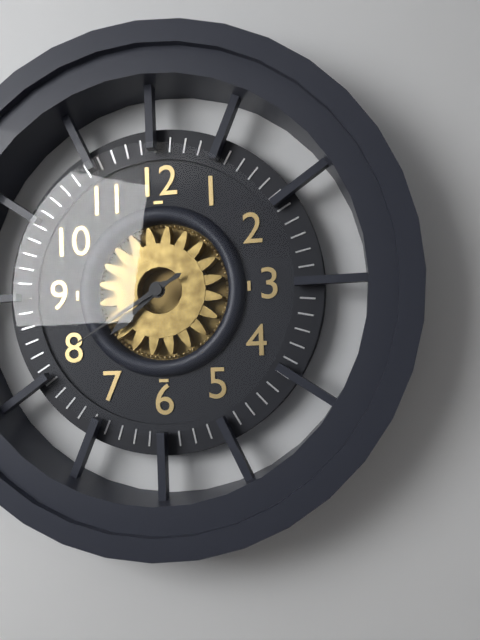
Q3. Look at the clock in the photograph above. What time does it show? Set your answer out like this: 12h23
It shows 7h40
